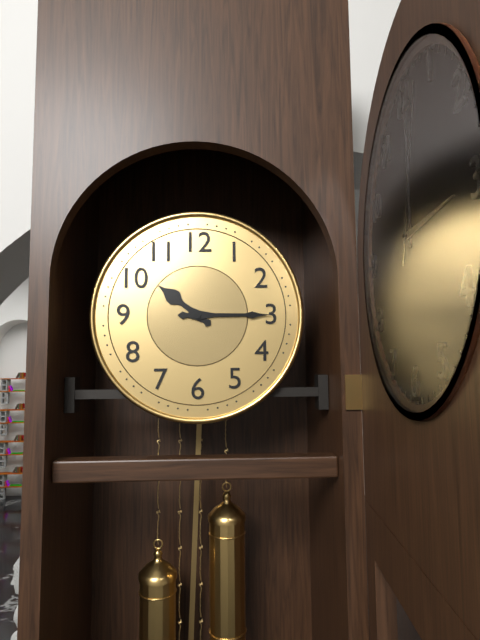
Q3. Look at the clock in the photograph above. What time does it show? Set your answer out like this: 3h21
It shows 10h15
